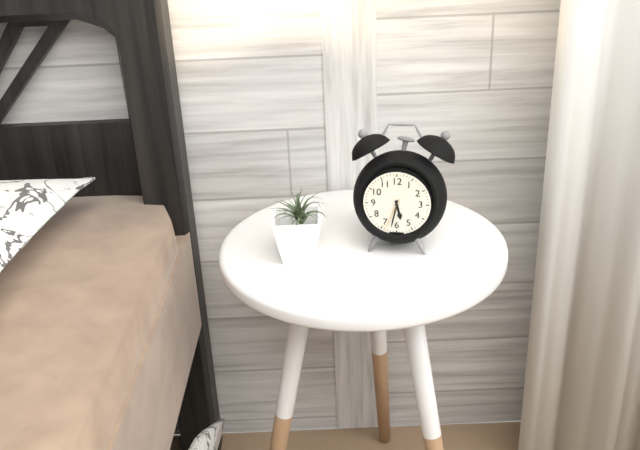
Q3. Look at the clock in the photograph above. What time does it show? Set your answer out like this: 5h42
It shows 5h32
